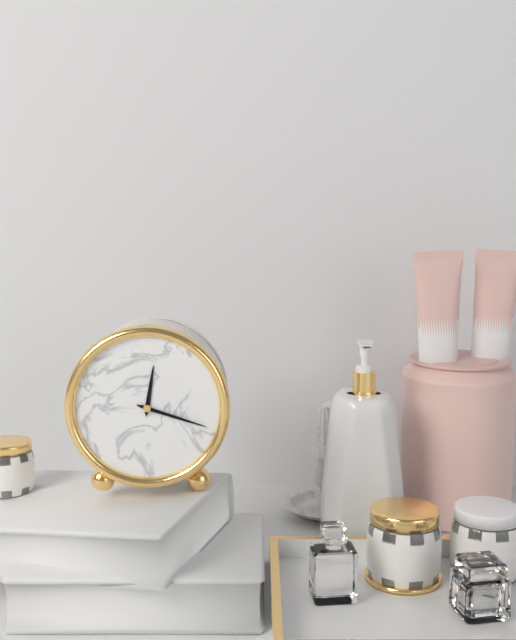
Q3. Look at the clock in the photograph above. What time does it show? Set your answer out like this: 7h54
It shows 12h18
